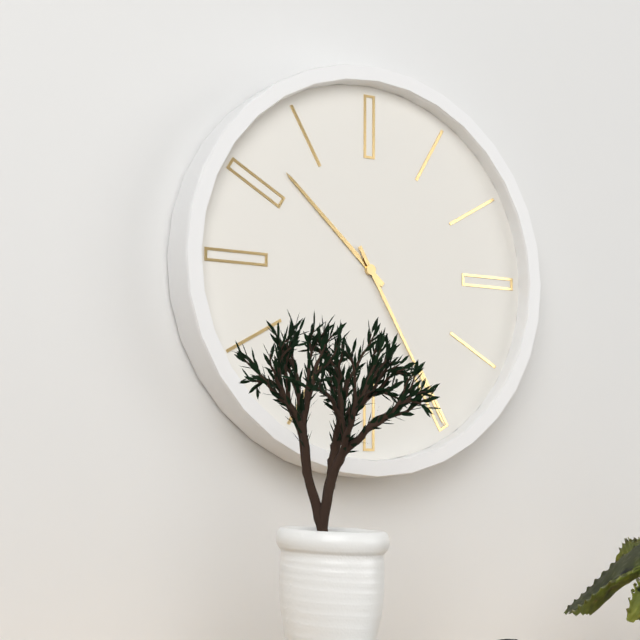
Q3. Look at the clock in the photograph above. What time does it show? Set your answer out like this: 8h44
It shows 10h25
